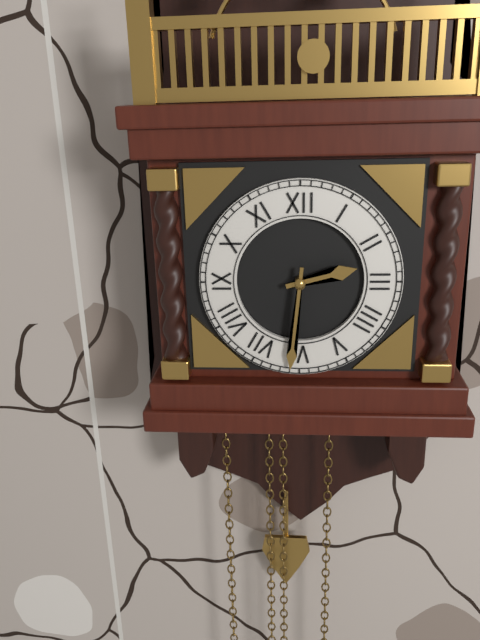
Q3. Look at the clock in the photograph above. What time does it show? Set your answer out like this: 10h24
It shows 2h31
